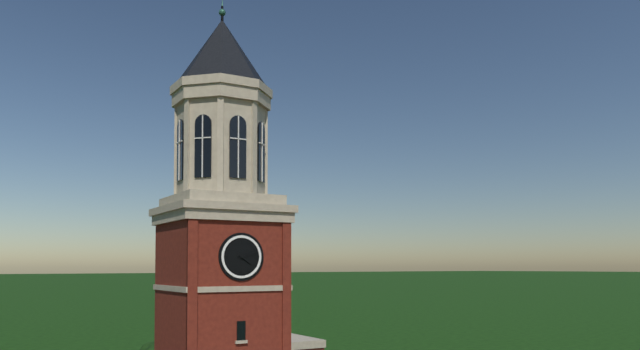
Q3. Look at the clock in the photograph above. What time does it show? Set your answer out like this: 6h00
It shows 4h12
